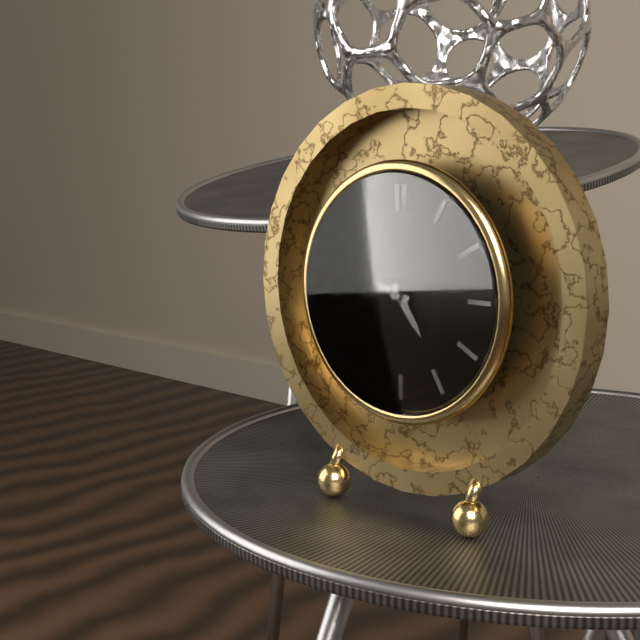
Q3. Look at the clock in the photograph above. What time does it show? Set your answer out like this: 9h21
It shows 4h48
